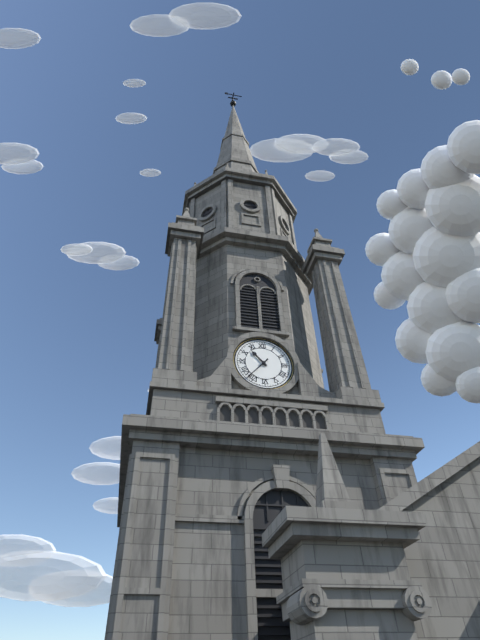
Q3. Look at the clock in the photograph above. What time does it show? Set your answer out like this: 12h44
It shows 10h37
